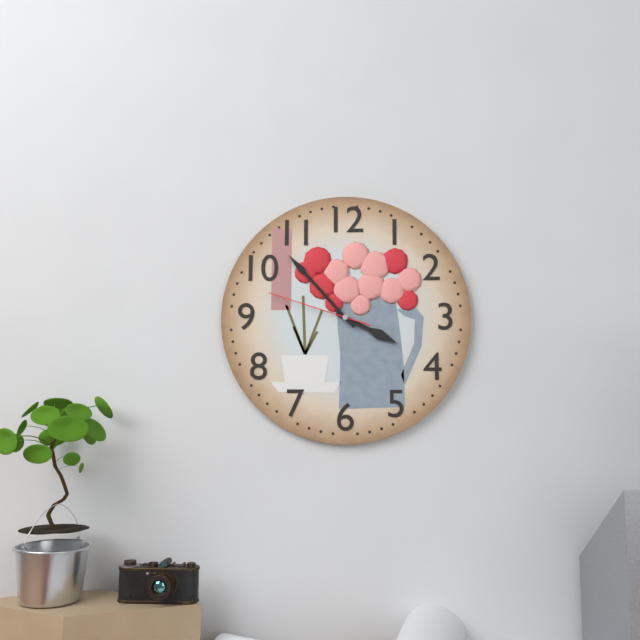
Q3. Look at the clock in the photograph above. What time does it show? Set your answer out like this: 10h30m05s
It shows 3h53m48s
